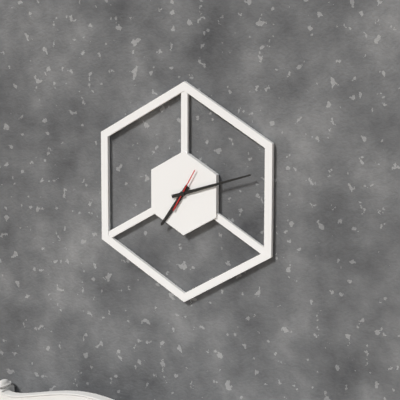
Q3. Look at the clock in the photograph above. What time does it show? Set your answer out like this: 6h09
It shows 7h12
